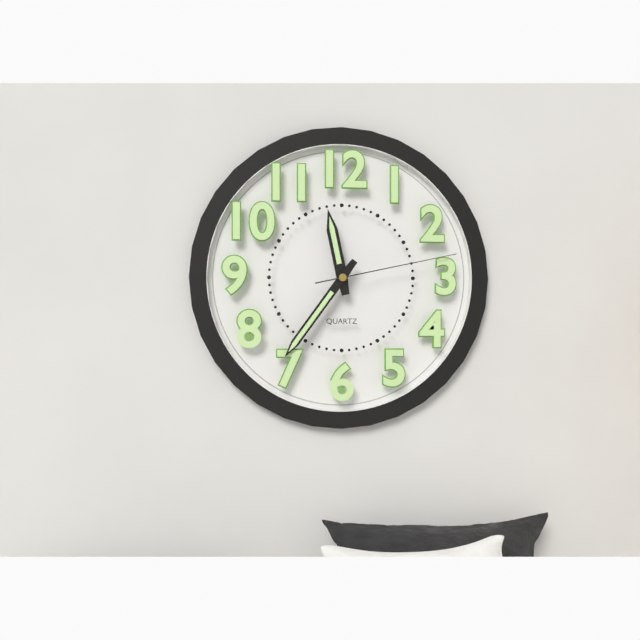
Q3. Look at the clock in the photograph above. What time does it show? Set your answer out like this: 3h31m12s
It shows 11h36m13s
